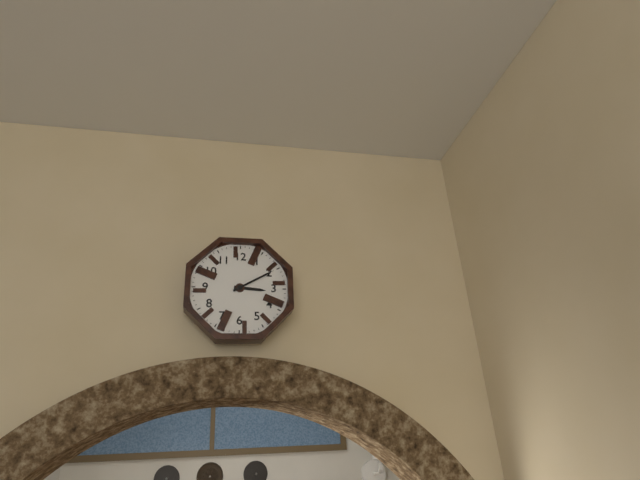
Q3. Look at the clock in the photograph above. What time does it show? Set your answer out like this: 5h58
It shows 3h10
